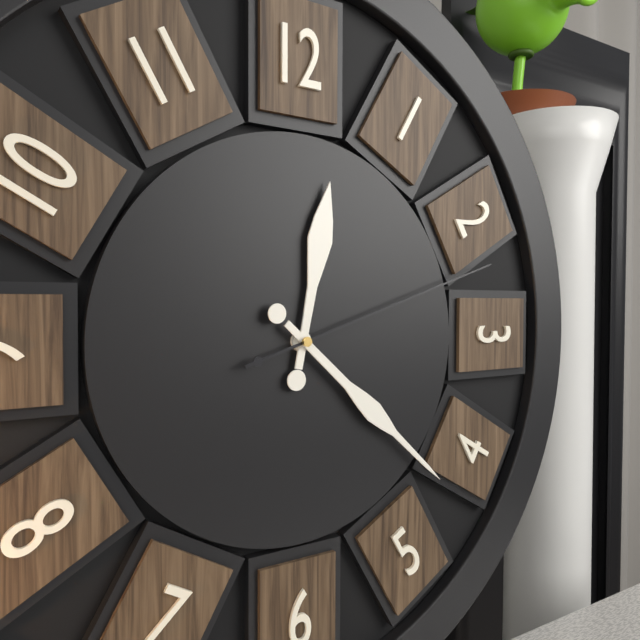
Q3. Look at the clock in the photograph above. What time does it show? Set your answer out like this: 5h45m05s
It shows 12h22m12s
